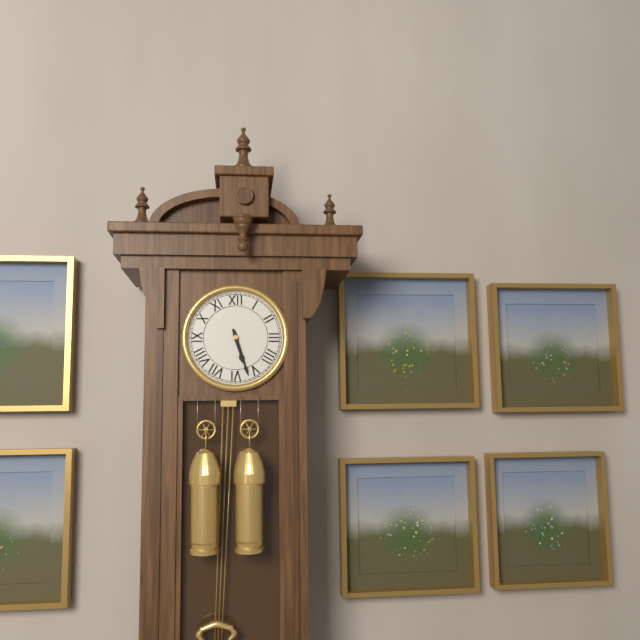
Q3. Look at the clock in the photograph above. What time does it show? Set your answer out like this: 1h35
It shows 5h27
